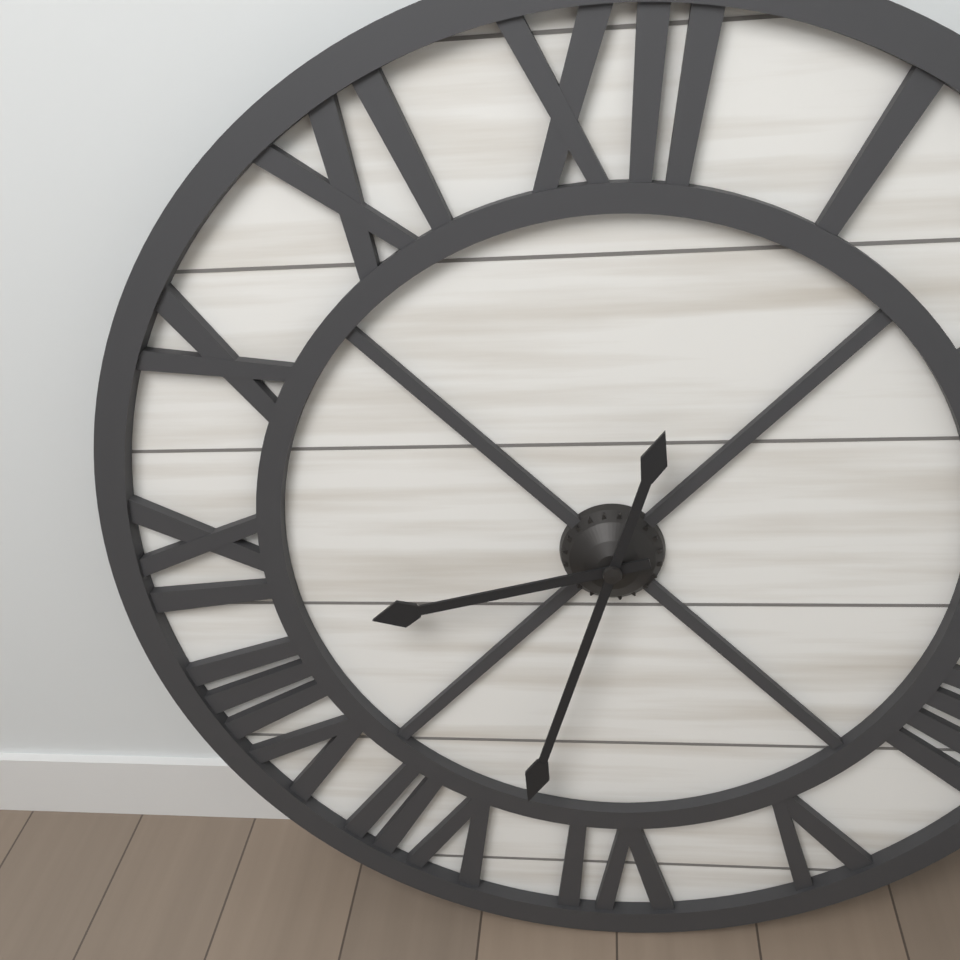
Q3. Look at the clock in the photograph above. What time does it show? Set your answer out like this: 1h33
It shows 8h33
